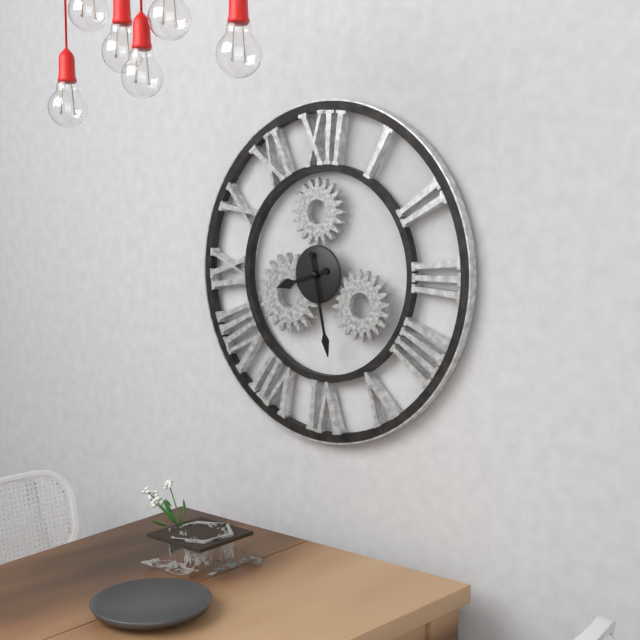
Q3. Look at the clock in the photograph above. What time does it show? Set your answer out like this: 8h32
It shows 8h28
